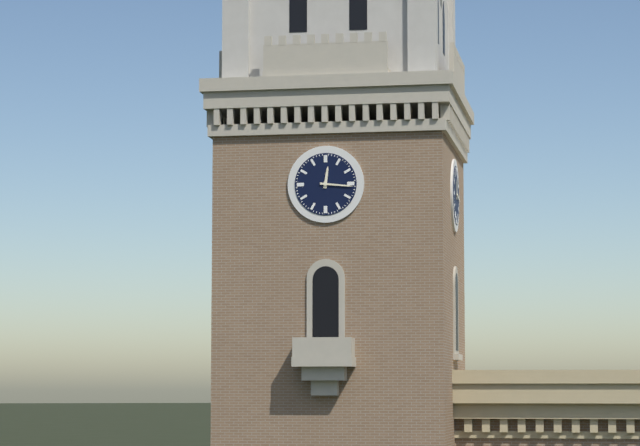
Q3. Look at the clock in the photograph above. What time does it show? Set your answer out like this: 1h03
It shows 12h16
